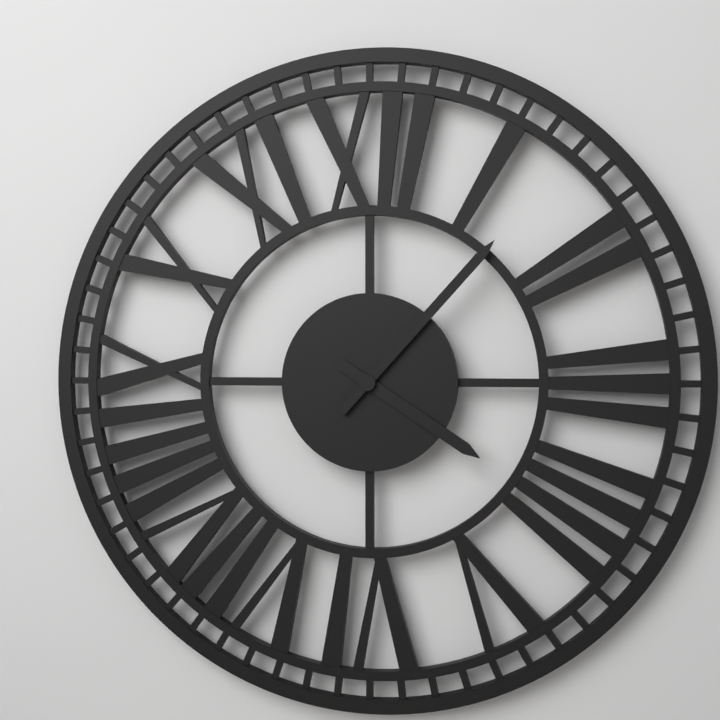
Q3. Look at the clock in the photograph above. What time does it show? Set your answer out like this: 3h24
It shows 4h07
